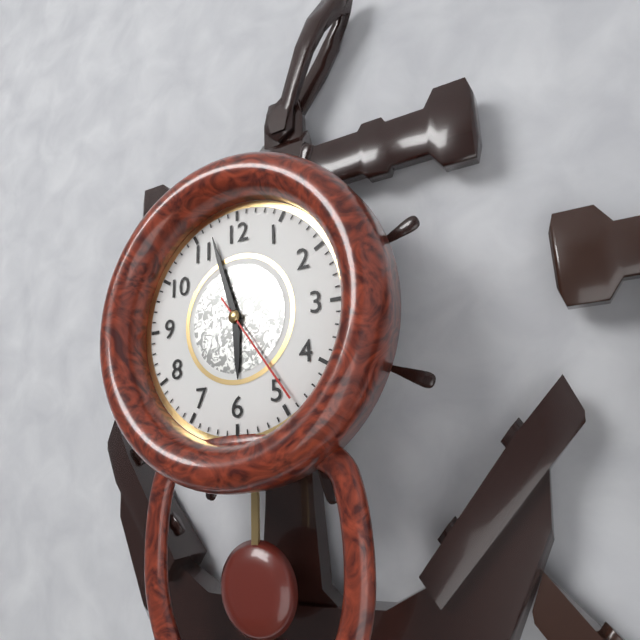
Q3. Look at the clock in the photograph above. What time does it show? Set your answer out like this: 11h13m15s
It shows 5h57m24s
